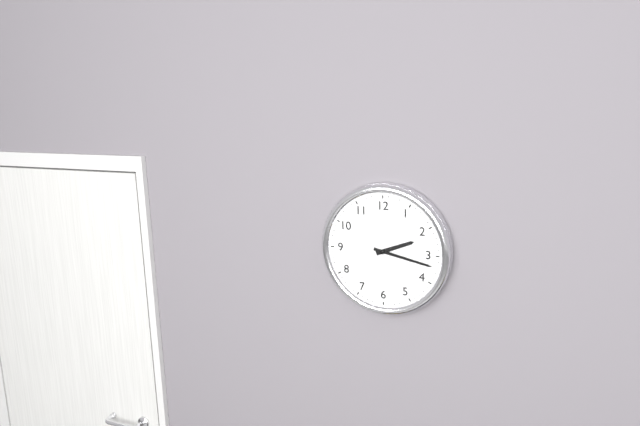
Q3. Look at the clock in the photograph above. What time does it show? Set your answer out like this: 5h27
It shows 2h17
